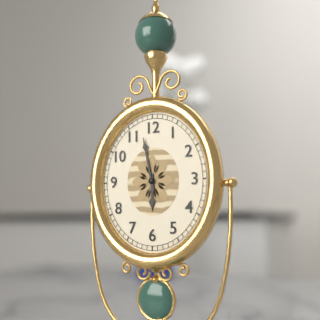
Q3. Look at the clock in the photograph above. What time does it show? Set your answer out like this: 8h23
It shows 5h58
